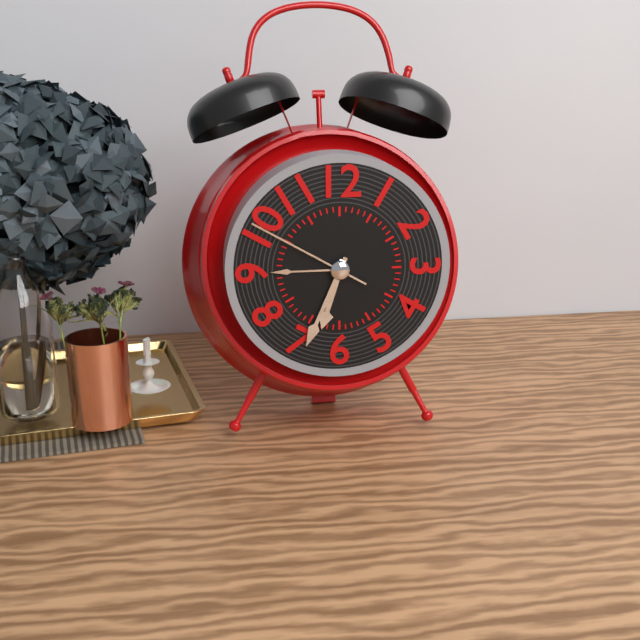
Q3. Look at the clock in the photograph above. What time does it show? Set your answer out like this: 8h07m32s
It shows 6h34m50s
